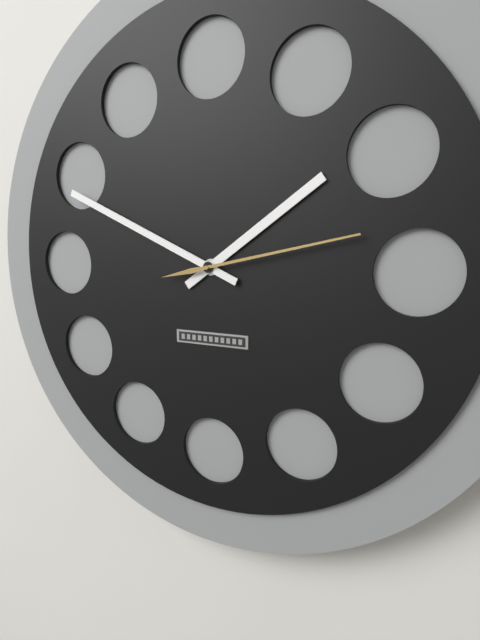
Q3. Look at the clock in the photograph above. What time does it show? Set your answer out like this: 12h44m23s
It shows 1h49m13s
